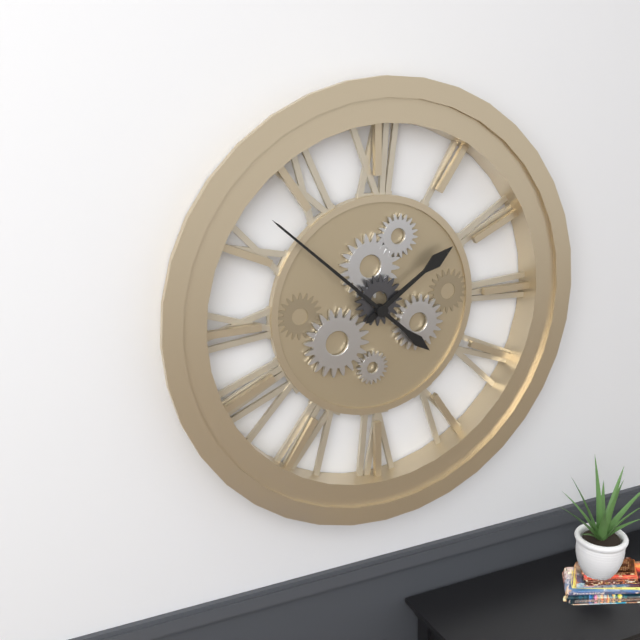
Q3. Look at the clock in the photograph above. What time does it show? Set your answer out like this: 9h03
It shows 1h52
